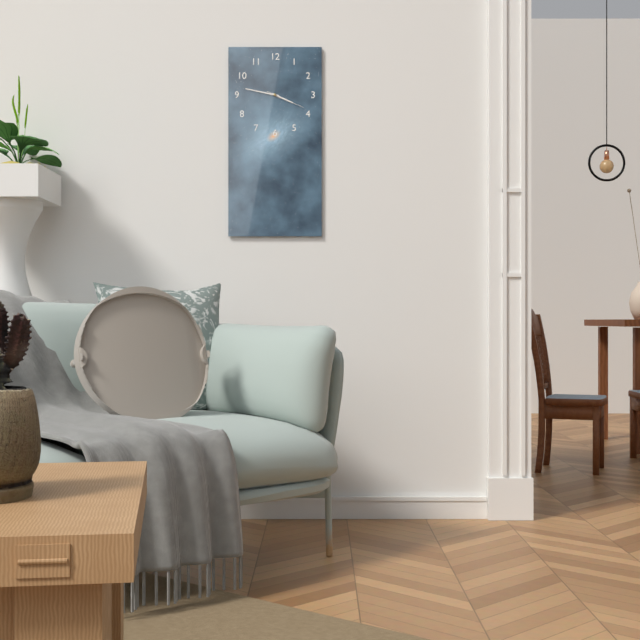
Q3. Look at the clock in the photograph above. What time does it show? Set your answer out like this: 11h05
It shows 3h47
